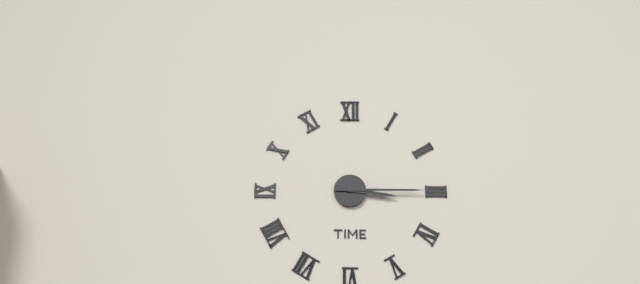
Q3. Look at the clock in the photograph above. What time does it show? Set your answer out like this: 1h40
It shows 3h15
